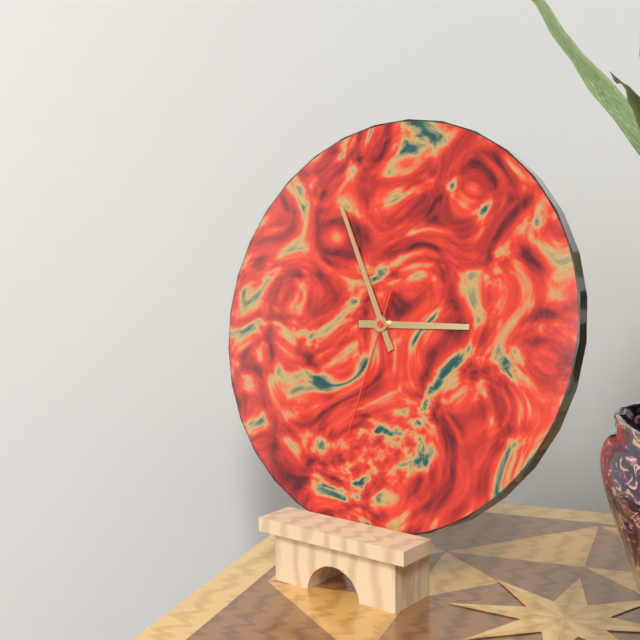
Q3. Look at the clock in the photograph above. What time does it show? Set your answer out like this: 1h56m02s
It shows 2h55m32s
